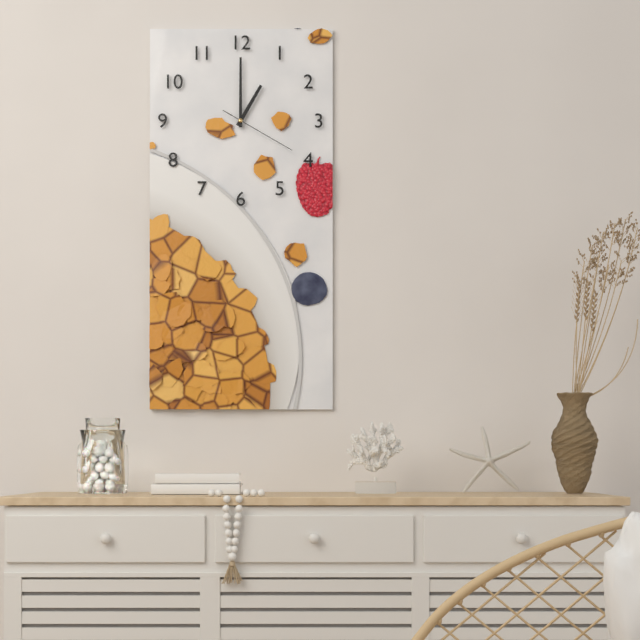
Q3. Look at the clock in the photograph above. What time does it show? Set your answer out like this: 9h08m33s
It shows 1h00m20s
